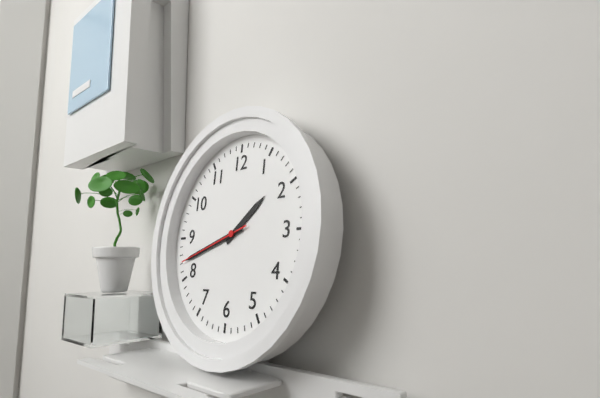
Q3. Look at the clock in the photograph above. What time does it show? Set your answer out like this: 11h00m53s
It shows 1h42m42s
